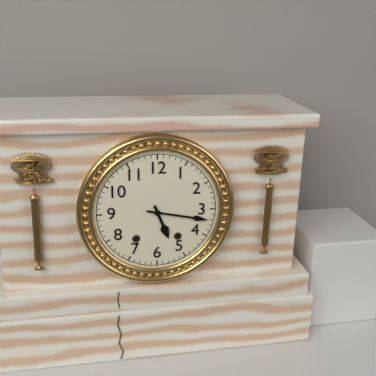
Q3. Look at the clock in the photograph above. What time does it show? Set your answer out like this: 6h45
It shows 5h17
